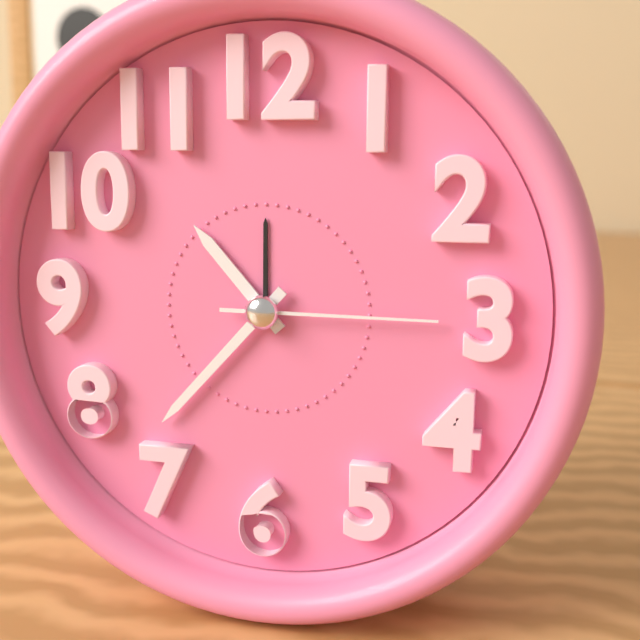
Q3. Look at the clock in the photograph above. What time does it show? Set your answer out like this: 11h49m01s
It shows 10h37m15s
